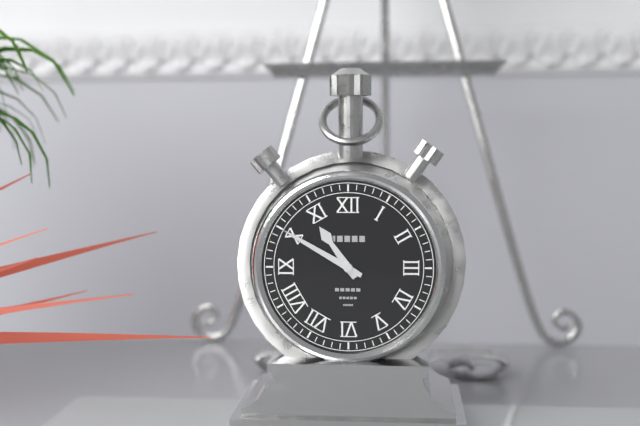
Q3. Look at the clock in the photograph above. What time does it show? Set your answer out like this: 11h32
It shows 10h50
